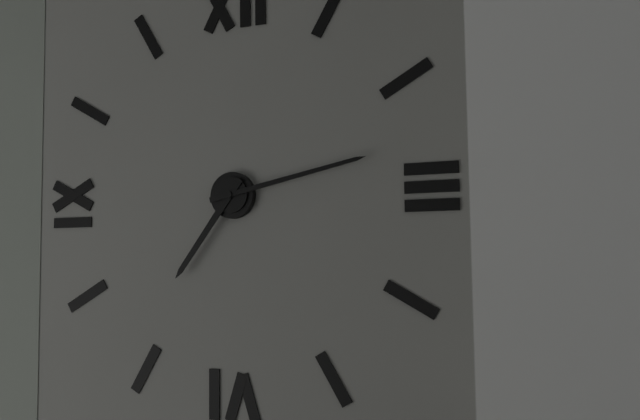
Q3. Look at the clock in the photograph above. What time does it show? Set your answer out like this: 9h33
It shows 7h13
